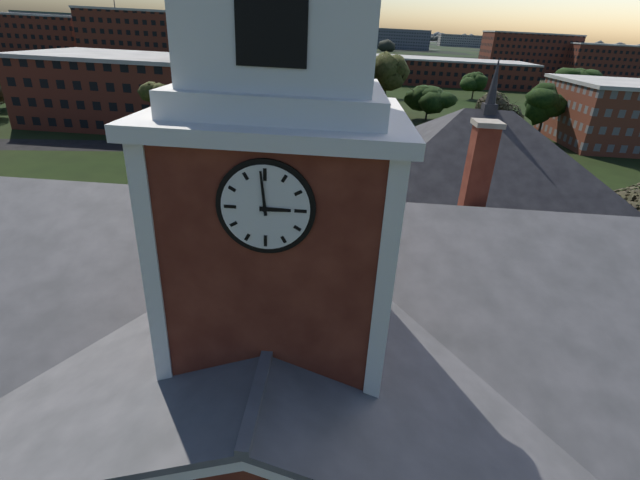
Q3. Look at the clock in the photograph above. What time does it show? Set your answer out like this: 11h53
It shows 2h59
